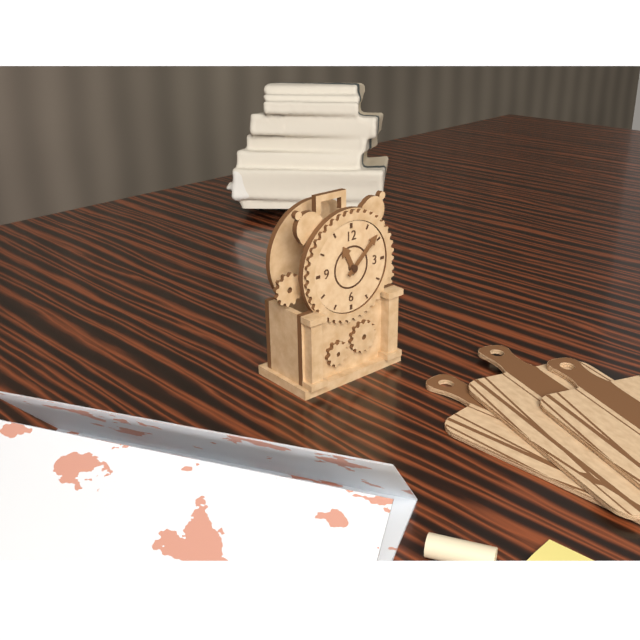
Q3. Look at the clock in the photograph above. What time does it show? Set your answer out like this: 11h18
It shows 11h08
